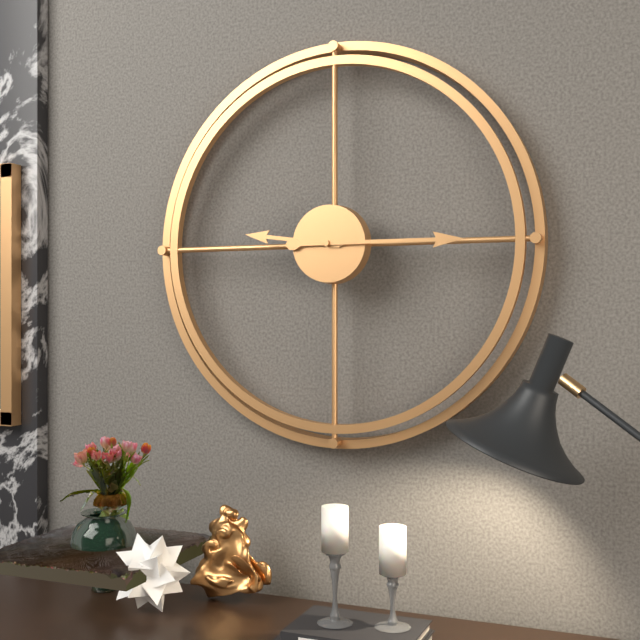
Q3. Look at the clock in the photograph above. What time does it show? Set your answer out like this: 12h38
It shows 9h15
